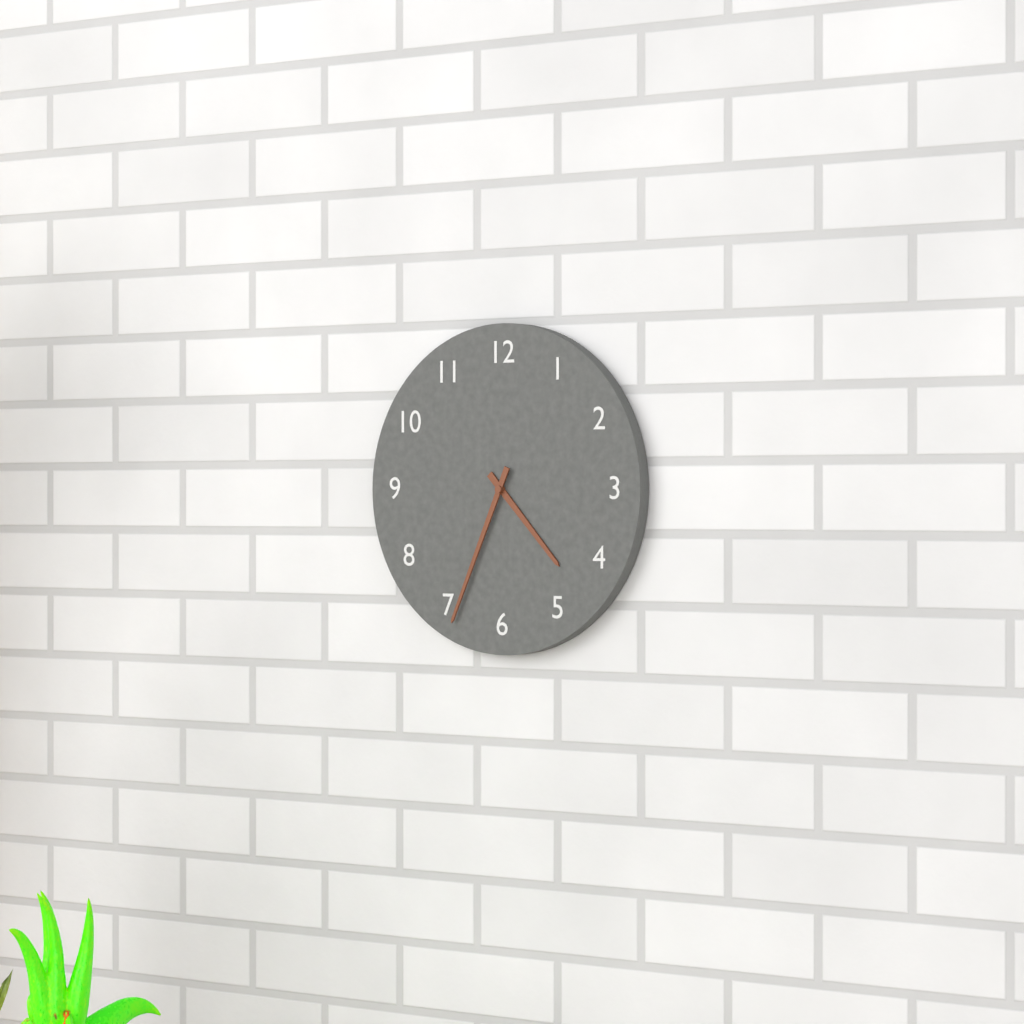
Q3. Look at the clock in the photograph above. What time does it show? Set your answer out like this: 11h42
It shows 4h34
